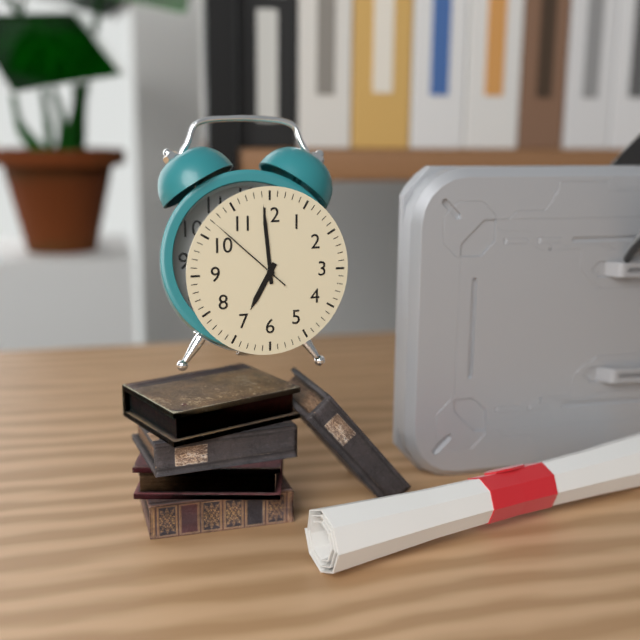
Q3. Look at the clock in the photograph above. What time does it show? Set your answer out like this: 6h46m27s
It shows 6h59m52s
